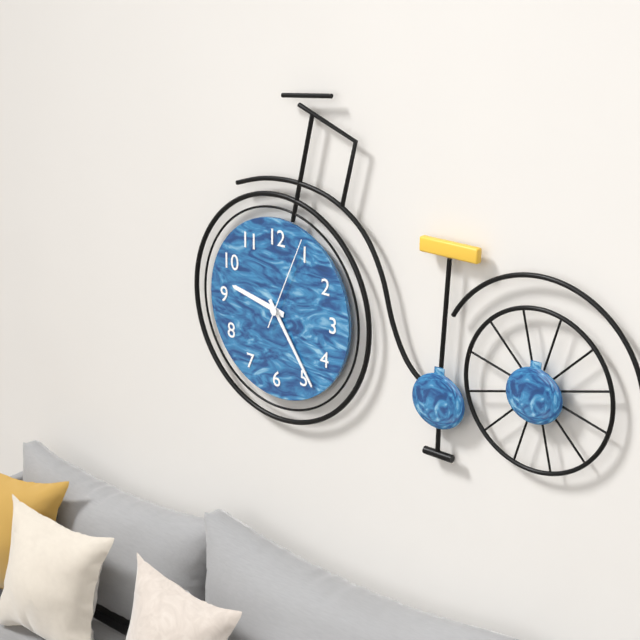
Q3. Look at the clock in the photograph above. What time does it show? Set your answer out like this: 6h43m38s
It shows 9h24m04s
